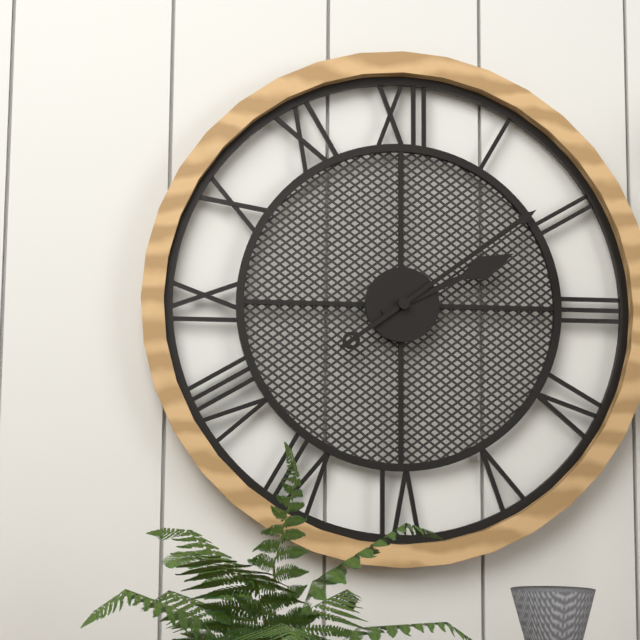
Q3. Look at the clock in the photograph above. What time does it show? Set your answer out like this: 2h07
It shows 2h09
